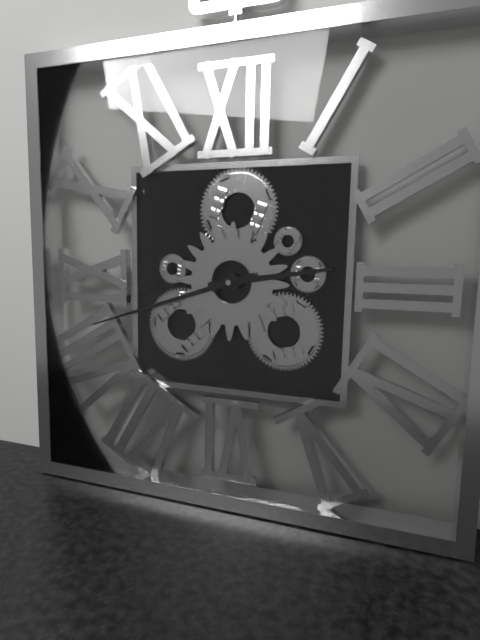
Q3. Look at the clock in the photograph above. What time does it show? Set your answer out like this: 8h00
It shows 2h42
